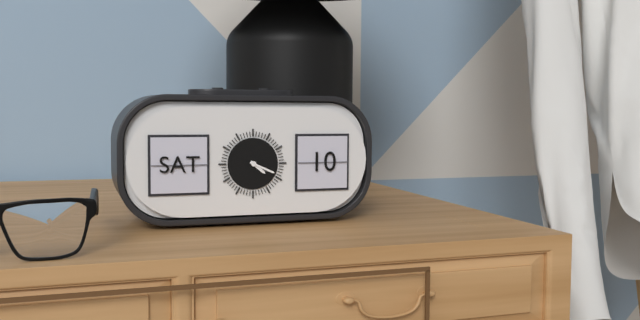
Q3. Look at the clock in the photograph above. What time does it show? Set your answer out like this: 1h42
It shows 4h19
